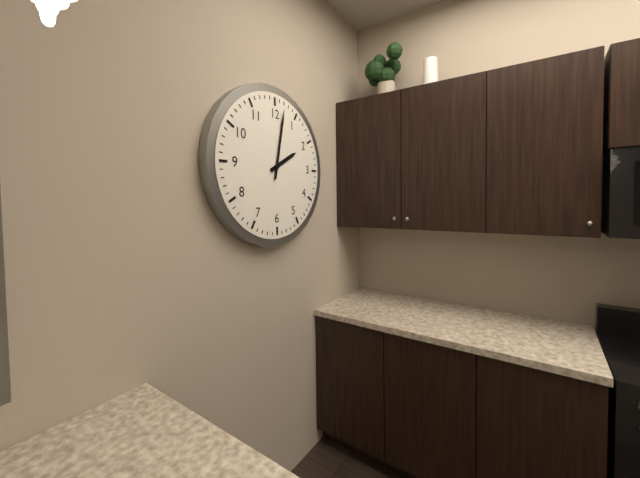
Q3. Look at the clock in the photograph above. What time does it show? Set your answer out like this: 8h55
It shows 2h02
